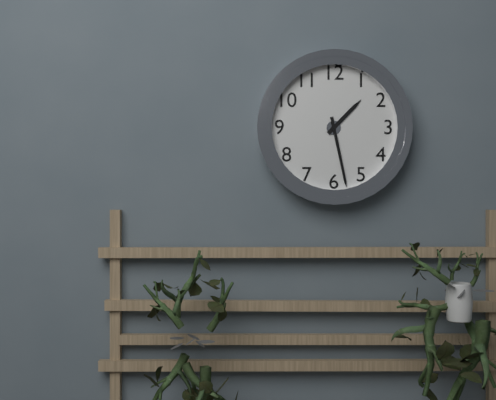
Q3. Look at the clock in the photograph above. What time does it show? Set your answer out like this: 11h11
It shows 1h28
